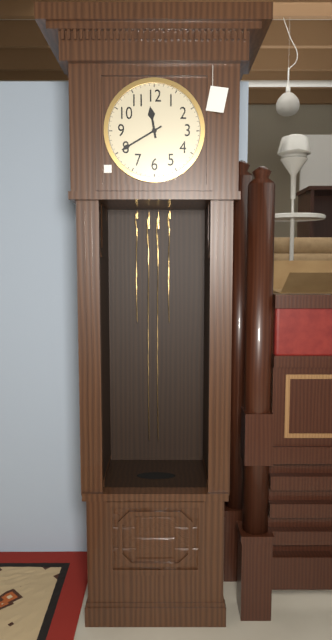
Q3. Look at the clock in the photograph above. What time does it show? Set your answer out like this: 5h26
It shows 11h40
